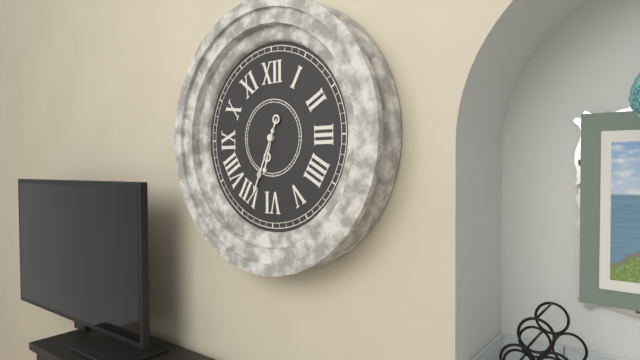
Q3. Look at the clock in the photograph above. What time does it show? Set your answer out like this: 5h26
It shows 6h34
